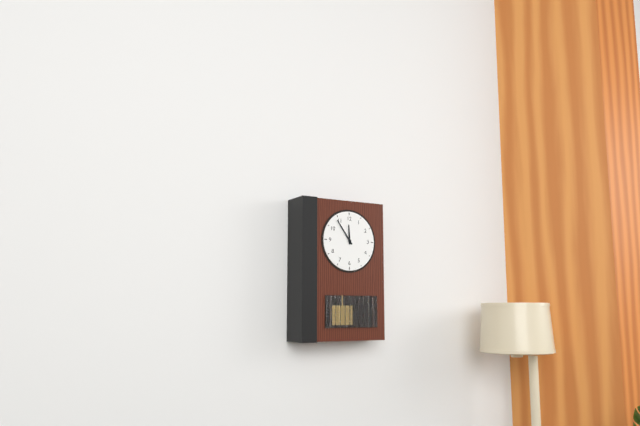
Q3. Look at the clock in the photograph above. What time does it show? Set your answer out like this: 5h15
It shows 11h54
